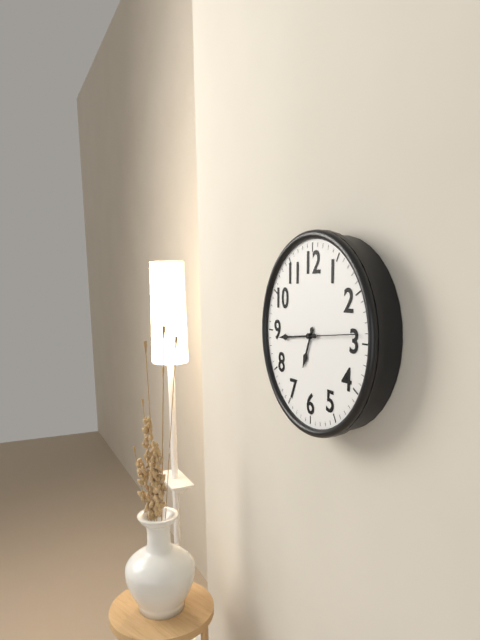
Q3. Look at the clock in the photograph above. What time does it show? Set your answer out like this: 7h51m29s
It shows 6h44m14s
